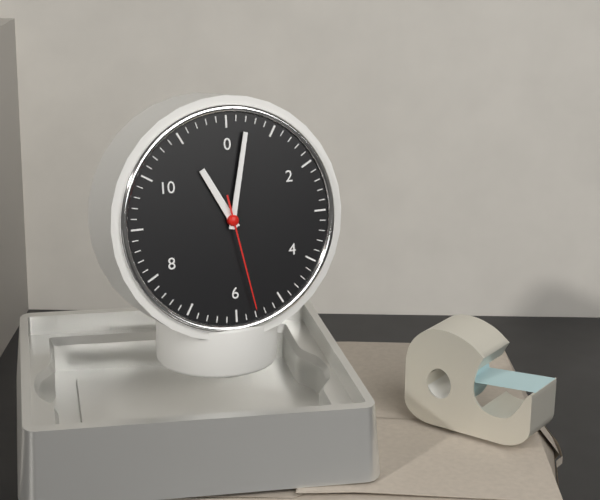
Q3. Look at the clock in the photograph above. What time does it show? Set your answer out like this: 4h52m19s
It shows 11h02m28s
